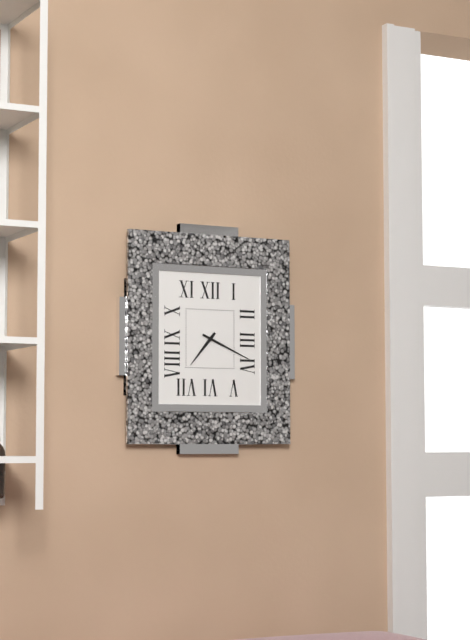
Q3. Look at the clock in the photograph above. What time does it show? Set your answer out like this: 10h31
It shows 7h19
